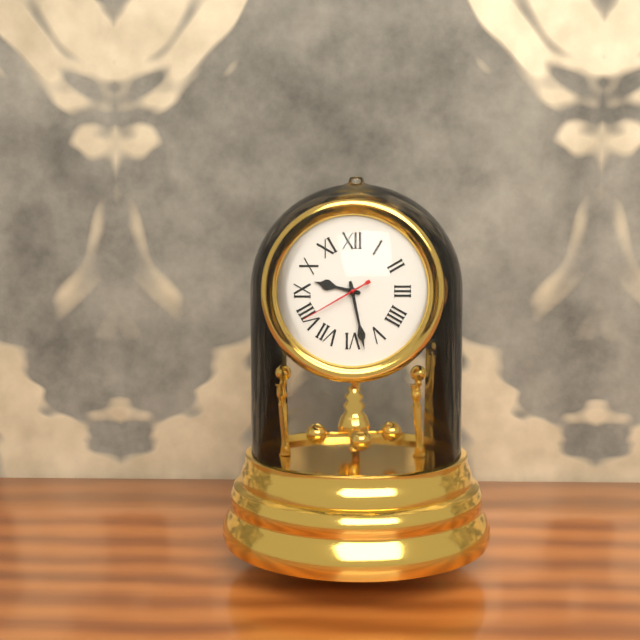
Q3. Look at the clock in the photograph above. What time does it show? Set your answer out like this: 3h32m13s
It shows 9h28m40s
